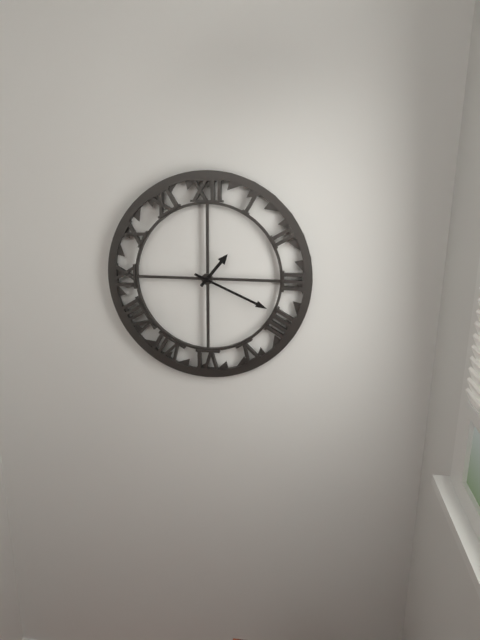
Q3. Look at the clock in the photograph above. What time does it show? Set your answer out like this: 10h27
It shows 1h19
